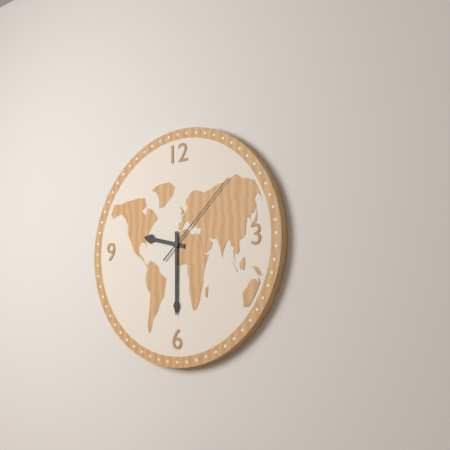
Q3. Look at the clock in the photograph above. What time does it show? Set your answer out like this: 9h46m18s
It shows 9h30m08s
